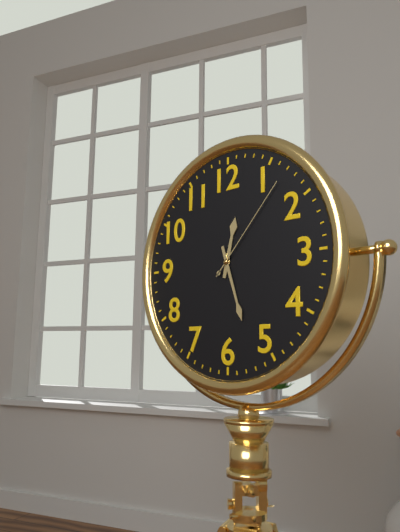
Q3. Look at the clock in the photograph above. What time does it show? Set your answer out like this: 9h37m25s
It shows 12h27m07s
